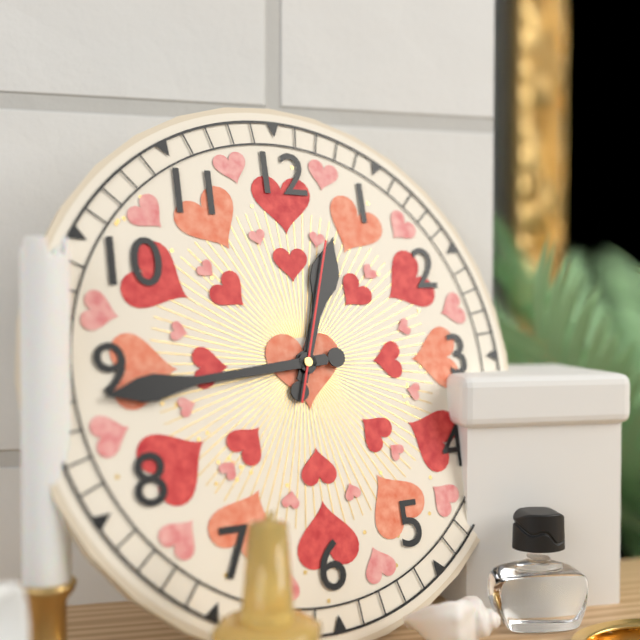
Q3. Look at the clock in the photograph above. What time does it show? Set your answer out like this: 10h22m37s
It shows 12h44m03s
